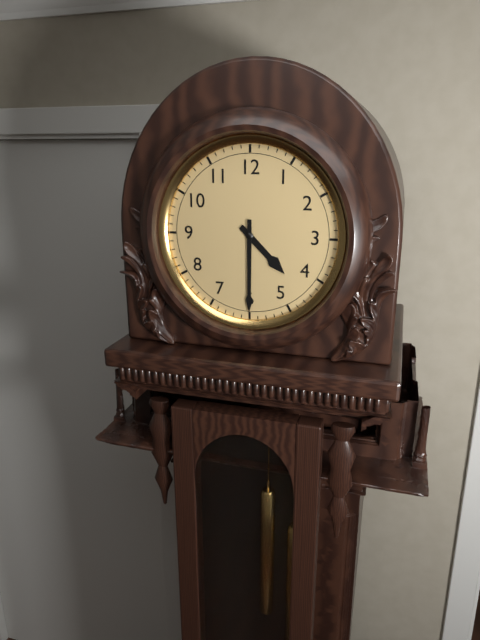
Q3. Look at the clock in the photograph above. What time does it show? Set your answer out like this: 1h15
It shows 4h30
